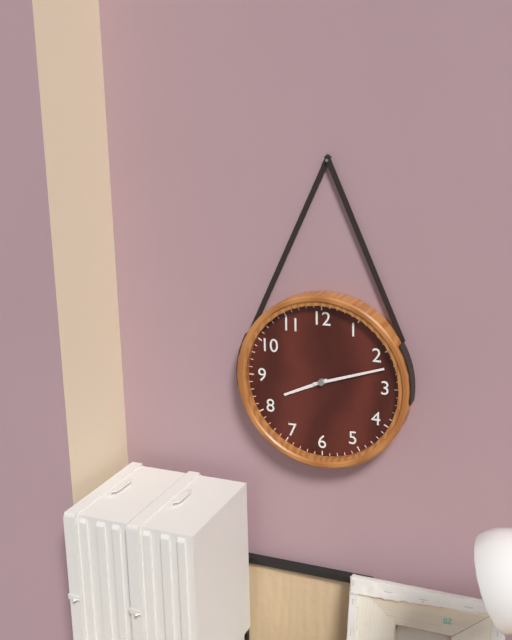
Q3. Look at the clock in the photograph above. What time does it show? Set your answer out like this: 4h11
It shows 8h12
